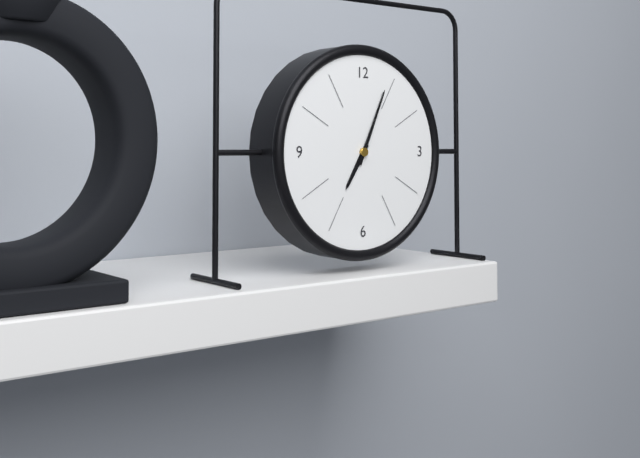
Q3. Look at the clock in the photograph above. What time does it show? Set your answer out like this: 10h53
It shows 7h04
